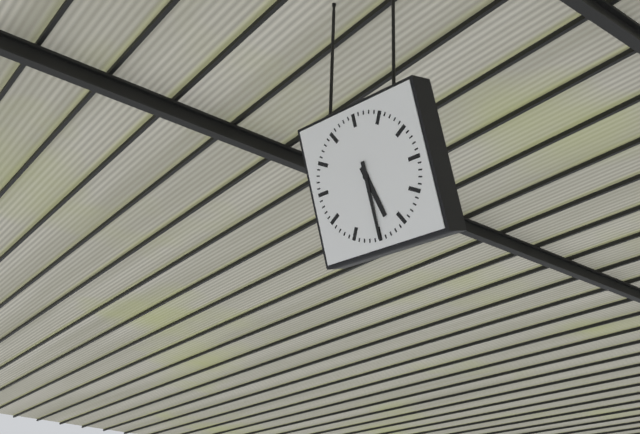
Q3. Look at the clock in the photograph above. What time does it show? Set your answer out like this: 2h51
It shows 5h30
